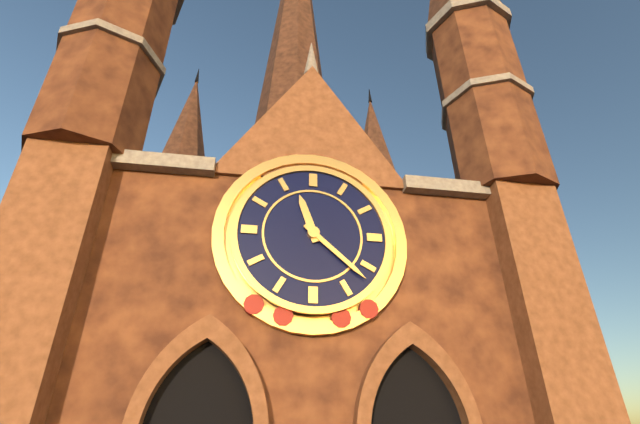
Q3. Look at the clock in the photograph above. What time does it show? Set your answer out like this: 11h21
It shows 11h22
